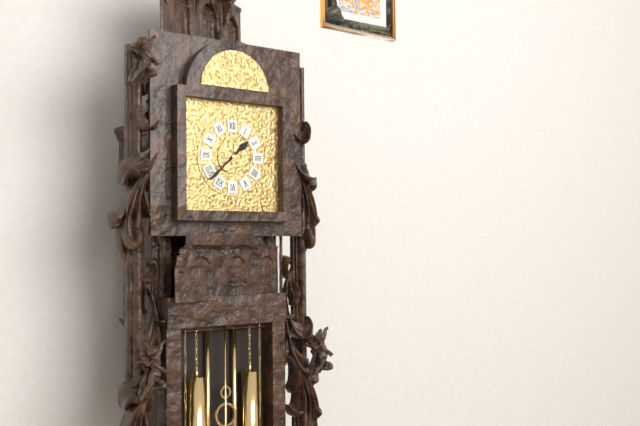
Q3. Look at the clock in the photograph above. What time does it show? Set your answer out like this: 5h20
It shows 1h38
